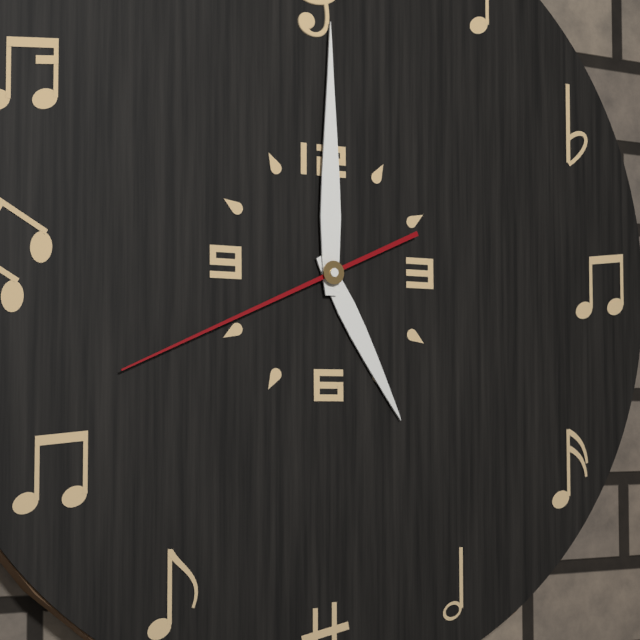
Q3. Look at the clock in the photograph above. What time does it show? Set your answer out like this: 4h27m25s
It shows 5h00m41s
